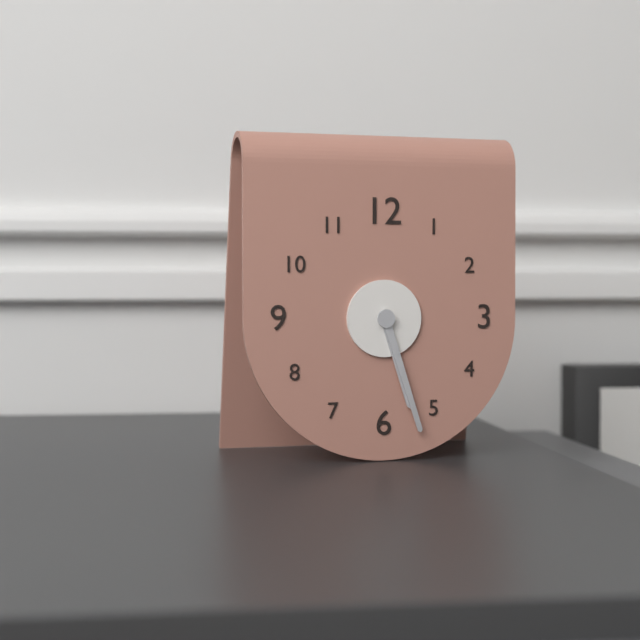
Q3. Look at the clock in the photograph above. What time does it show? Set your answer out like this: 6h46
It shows 5h27
